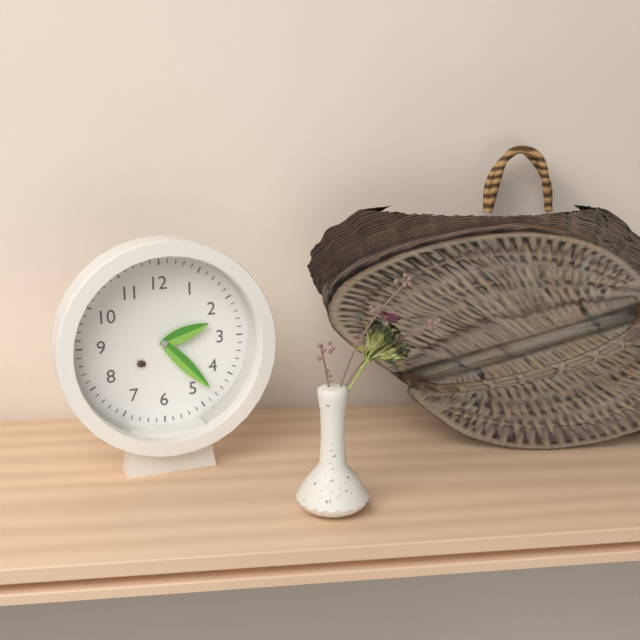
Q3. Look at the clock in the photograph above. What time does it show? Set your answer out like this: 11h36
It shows 2h23
